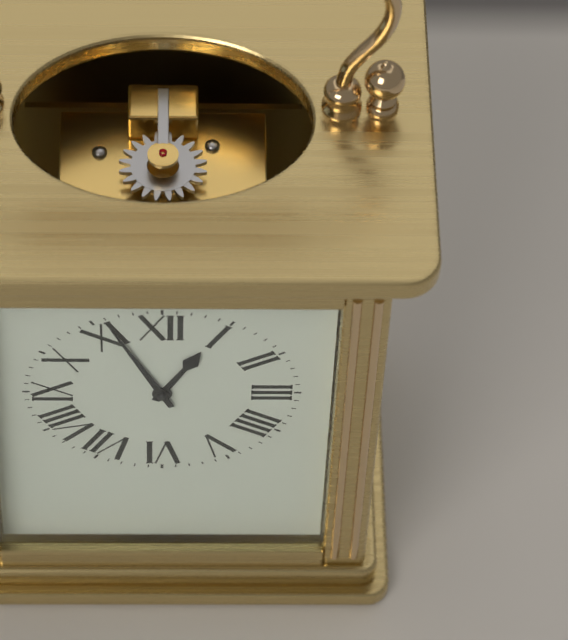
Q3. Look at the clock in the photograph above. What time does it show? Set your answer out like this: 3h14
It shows 12h56
